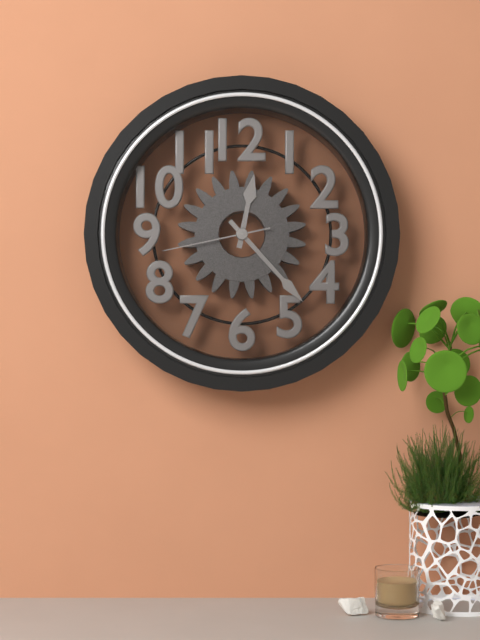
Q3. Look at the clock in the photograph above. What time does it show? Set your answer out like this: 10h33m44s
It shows 12h23m43s
